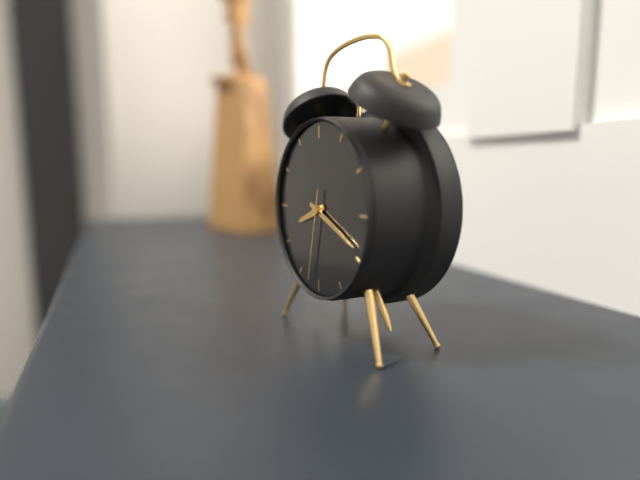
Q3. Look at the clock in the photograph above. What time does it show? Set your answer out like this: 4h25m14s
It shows 8h19m32s
